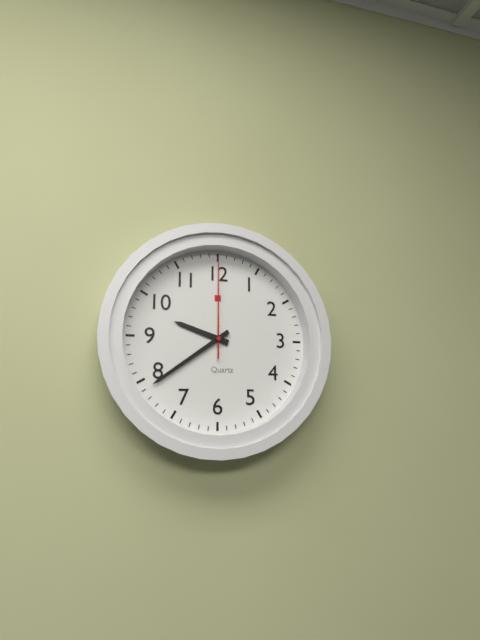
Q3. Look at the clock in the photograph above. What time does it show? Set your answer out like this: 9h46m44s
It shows 9h39m00s
